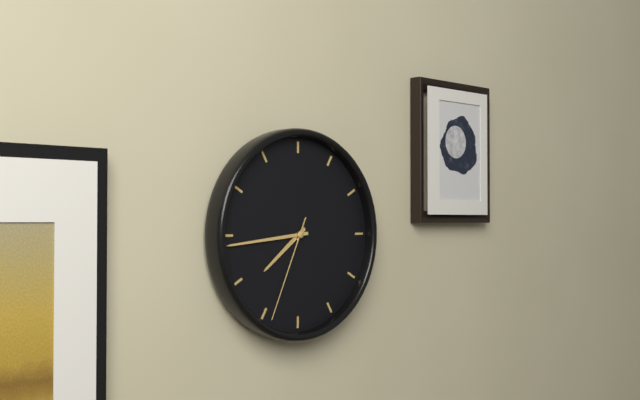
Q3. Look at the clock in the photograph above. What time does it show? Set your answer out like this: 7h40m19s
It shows 7h44m34s
